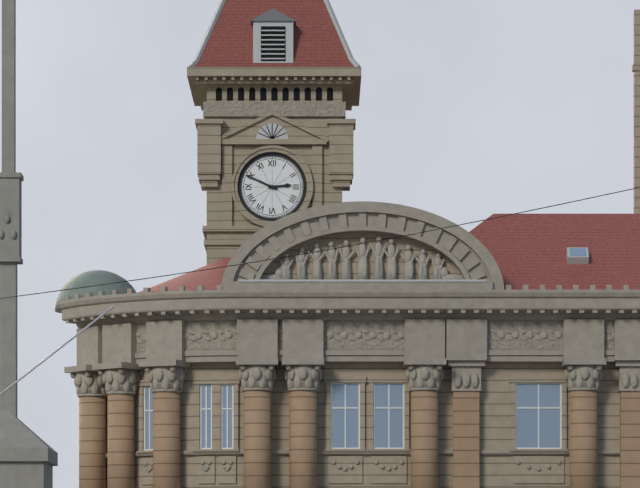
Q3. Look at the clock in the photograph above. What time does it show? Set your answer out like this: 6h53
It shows 2h49
